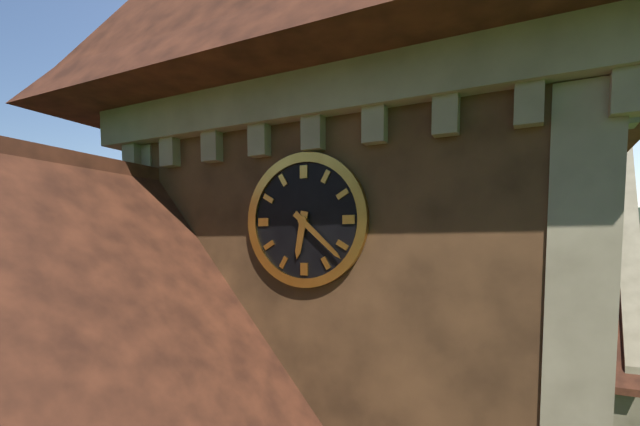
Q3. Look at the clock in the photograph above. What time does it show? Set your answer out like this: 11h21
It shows 6h22
